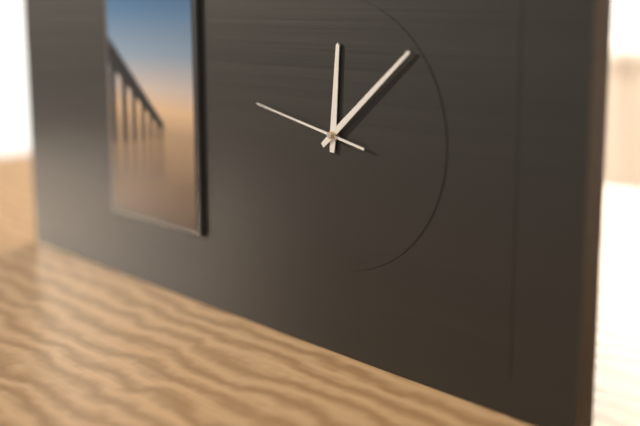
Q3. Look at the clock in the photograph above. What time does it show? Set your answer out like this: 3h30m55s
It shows 12h08m47s
